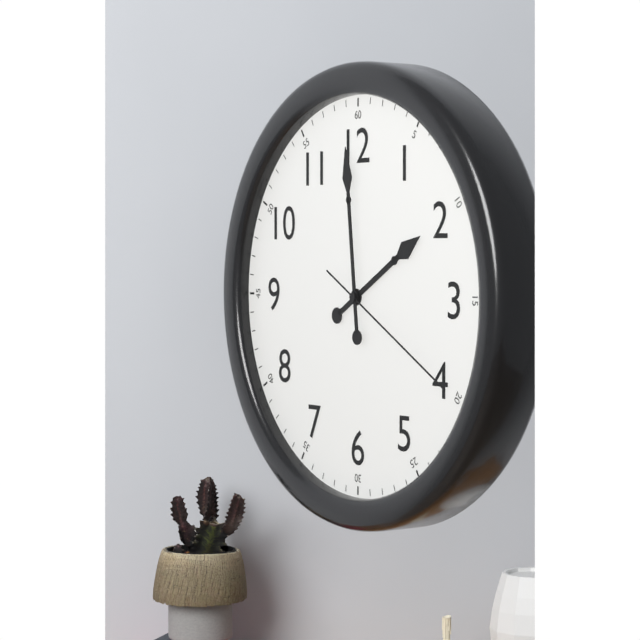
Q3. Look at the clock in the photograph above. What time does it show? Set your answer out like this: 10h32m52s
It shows 1h59m20s
